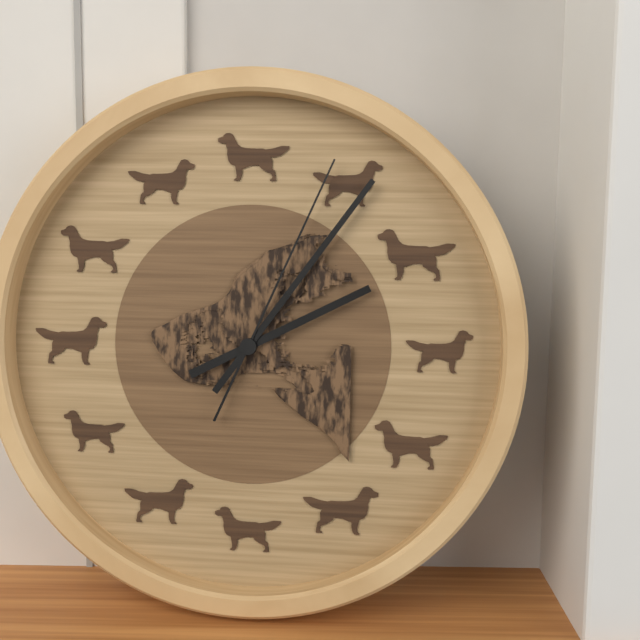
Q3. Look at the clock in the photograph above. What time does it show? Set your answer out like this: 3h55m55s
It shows 2h06m04s
